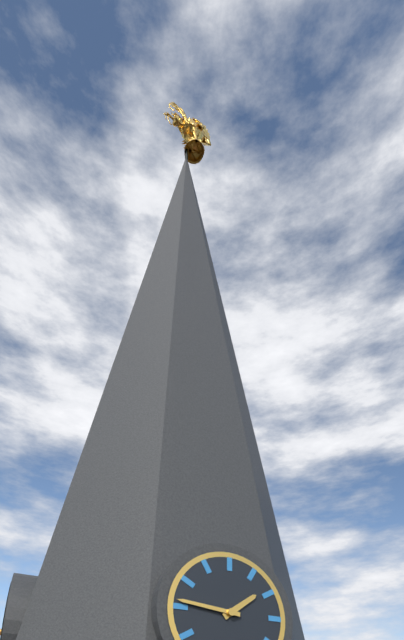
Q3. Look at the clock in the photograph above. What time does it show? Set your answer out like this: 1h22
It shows 1h46
